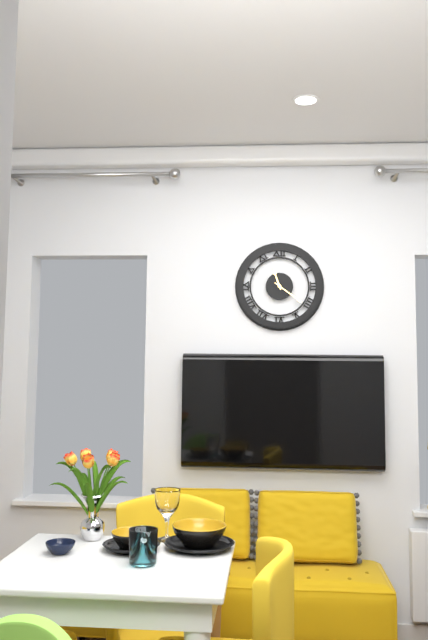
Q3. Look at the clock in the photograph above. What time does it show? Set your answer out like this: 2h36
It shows 11h21
